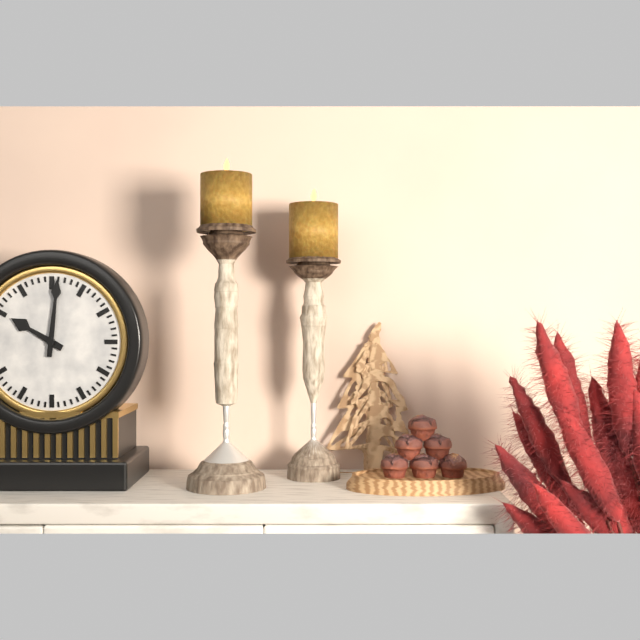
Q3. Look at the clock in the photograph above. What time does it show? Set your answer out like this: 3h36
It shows 10h01
